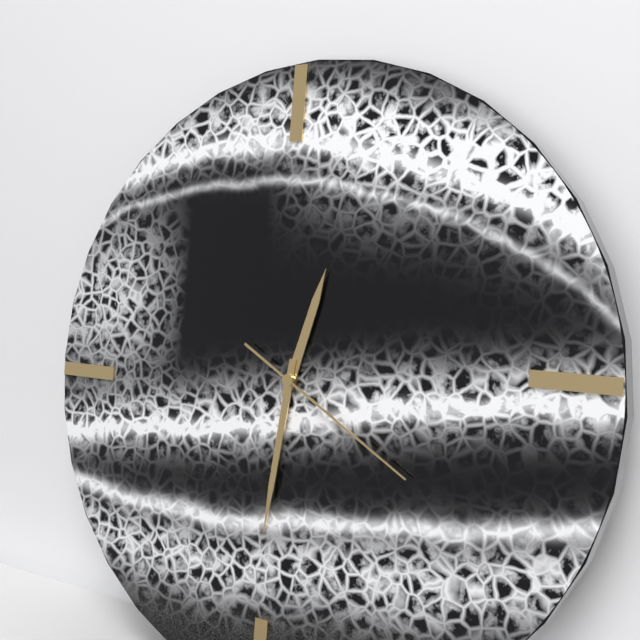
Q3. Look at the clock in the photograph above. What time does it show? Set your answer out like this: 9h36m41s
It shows 12h31m20s
